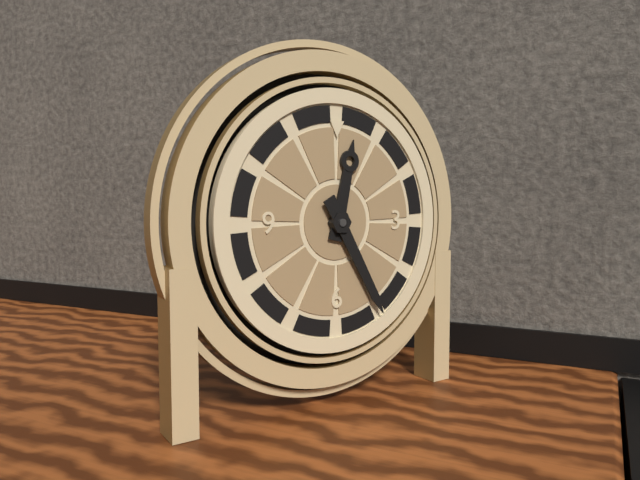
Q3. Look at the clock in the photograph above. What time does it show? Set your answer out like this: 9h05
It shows 12h25
